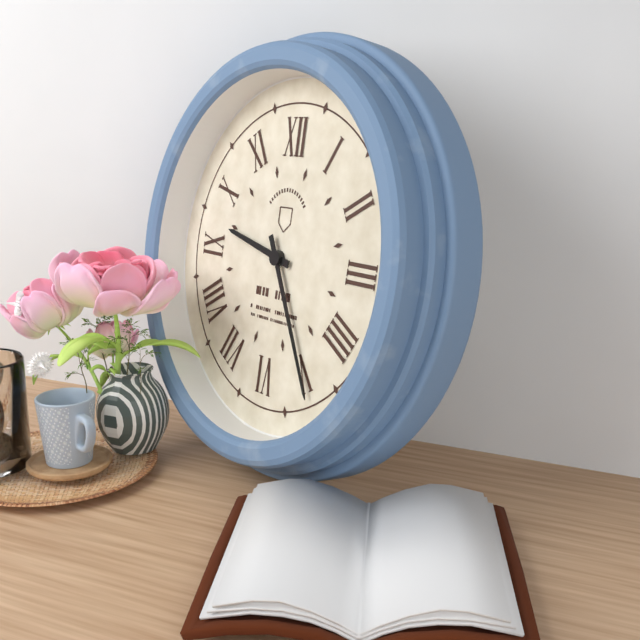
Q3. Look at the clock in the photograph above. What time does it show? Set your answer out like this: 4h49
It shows 9h25
